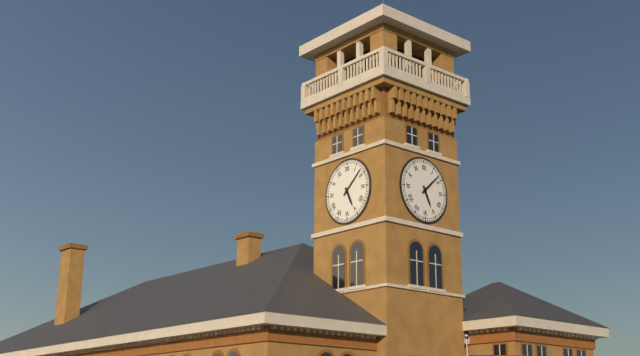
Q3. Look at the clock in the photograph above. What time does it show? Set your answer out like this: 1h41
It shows 5h08
